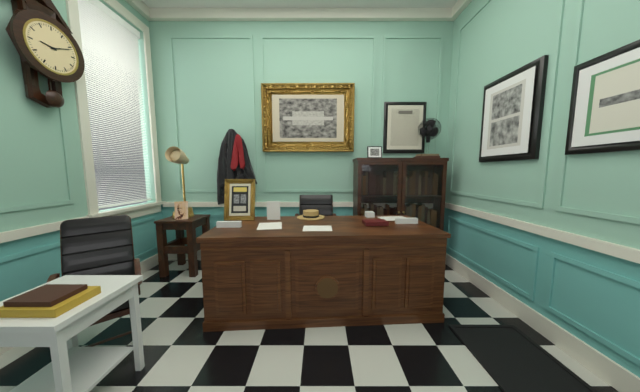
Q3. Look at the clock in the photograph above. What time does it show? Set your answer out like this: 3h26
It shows 9h11
